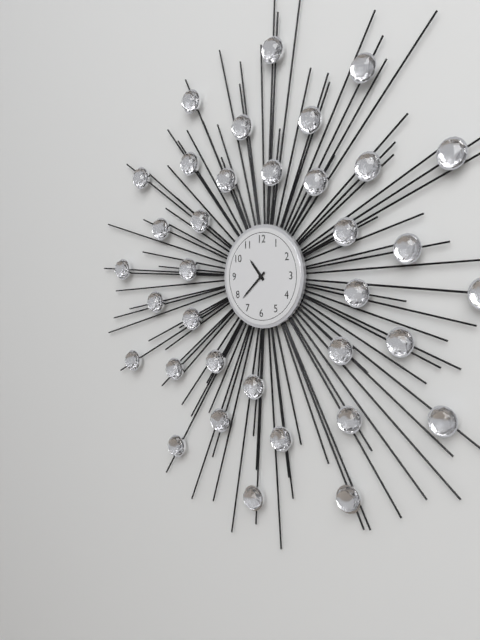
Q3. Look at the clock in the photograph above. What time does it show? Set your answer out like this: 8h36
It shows 10h38
